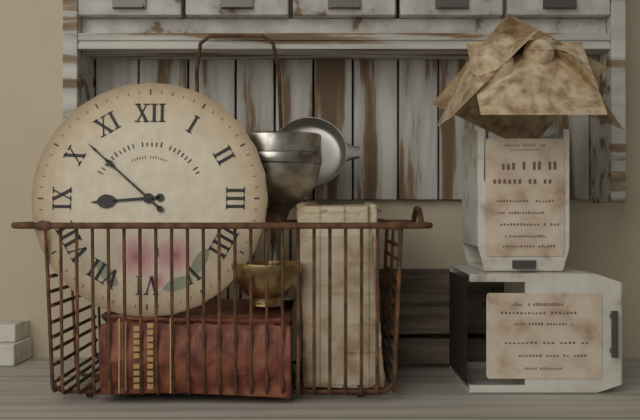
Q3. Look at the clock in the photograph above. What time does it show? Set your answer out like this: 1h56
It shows 8h52
